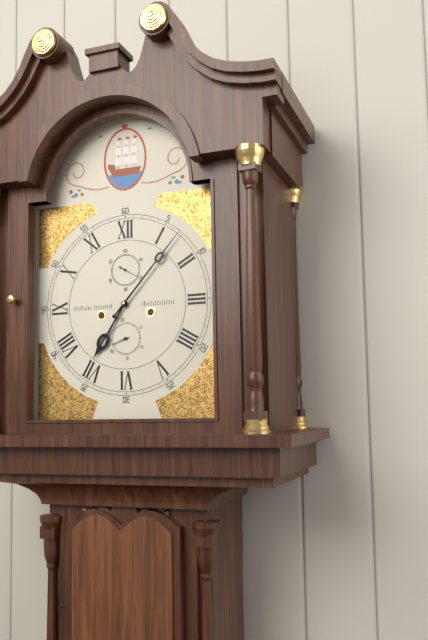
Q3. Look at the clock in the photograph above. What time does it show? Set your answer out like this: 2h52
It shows 7h07
